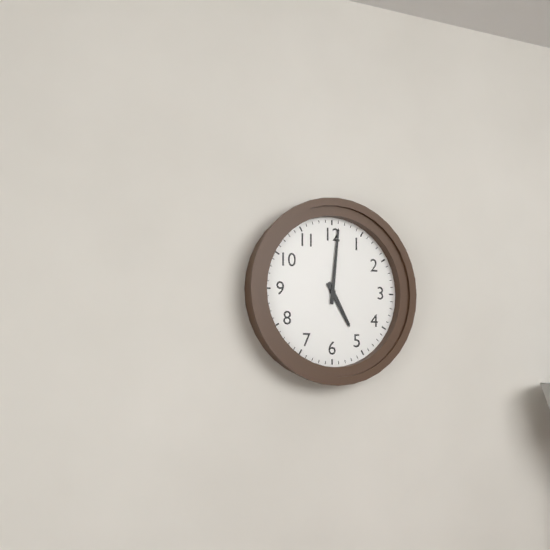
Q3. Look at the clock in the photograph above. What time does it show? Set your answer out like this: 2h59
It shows 5h01
